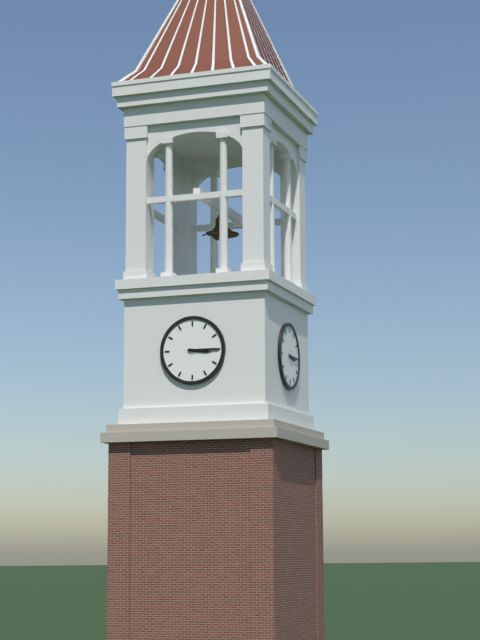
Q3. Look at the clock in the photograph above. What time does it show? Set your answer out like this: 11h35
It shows 3h15
